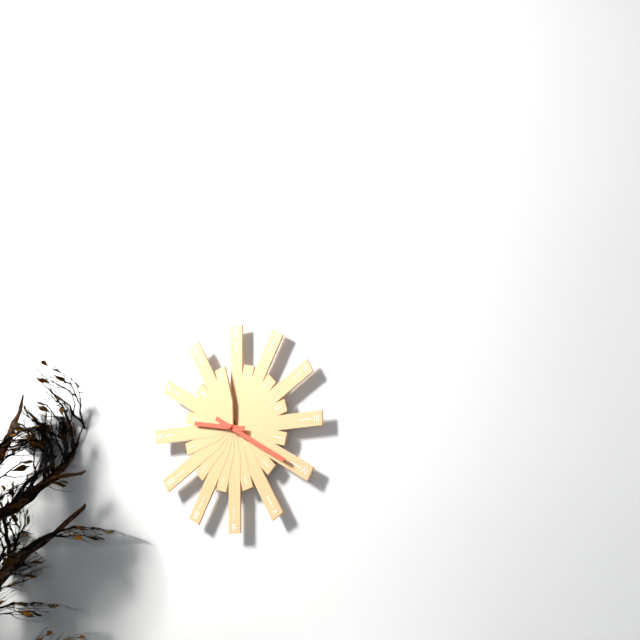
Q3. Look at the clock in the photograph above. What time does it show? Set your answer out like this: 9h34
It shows 9h20
